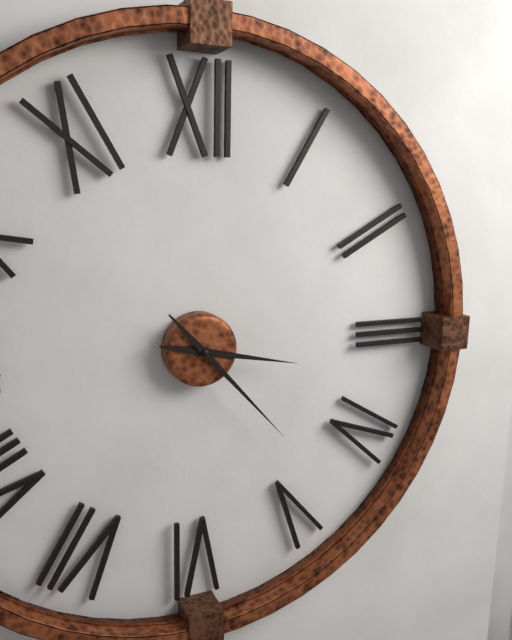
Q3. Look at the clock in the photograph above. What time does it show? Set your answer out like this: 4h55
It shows 3h23
